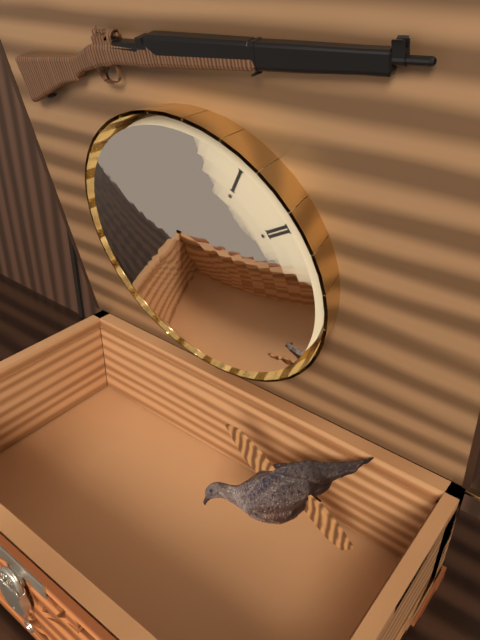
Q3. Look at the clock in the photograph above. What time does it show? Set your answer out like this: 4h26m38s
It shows 5h31m51s
